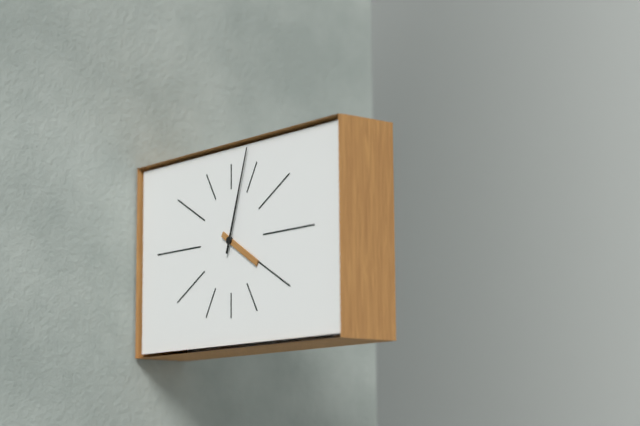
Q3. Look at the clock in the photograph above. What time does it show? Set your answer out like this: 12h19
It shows 4h03
